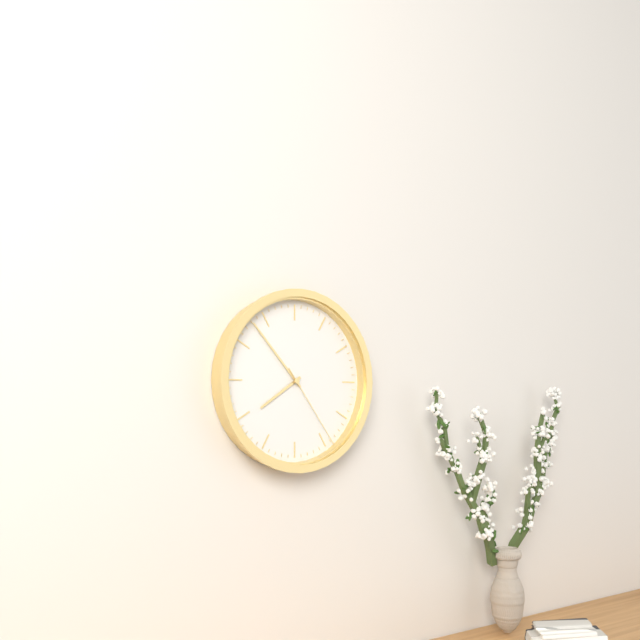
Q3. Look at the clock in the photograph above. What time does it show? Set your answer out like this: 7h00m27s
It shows 7h53m24s
